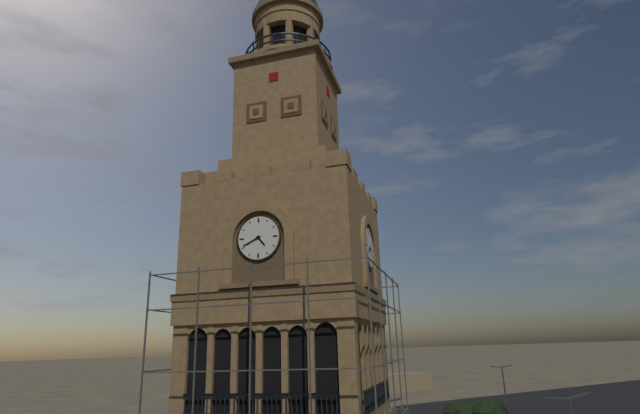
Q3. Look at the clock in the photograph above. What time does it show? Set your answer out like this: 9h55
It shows 4h41
